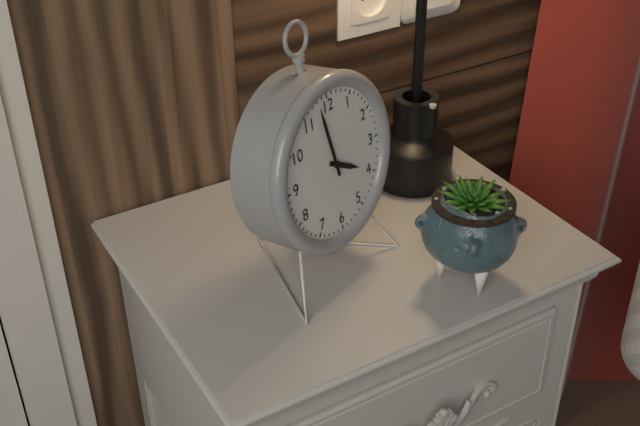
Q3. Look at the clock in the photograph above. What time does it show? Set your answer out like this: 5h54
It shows 3h58
